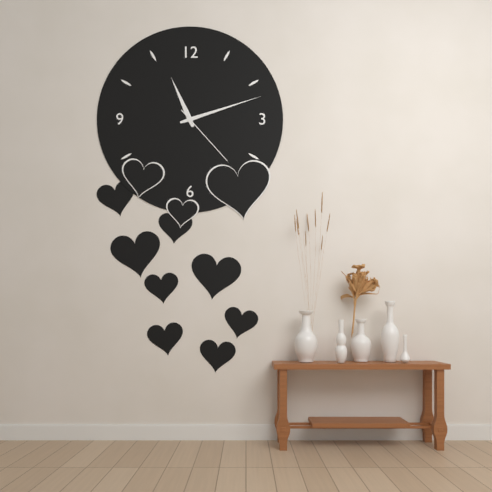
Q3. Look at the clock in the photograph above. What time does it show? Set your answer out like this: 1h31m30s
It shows 11h12m23s
